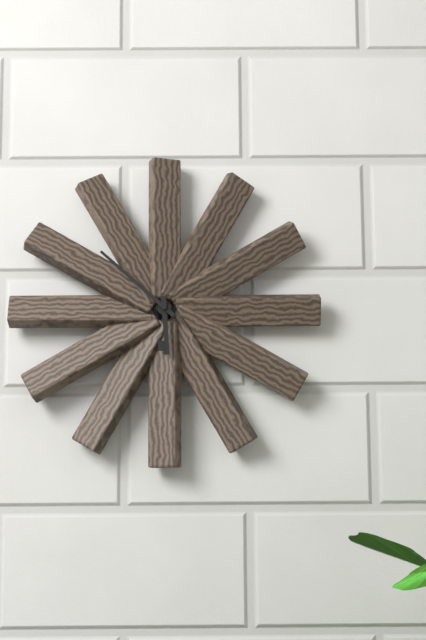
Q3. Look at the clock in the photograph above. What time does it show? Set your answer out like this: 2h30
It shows 5h52
